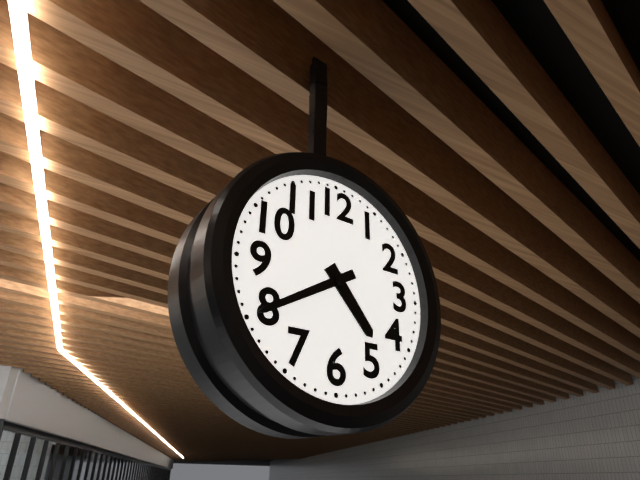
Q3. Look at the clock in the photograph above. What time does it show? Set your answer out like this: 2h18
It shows 4h40
